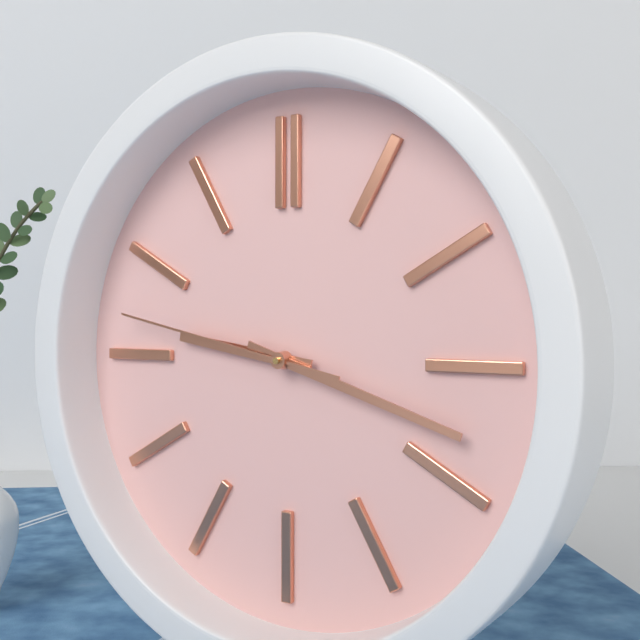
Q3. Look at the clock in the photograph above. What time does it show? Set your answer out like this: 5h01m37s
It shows 9h18m47s
